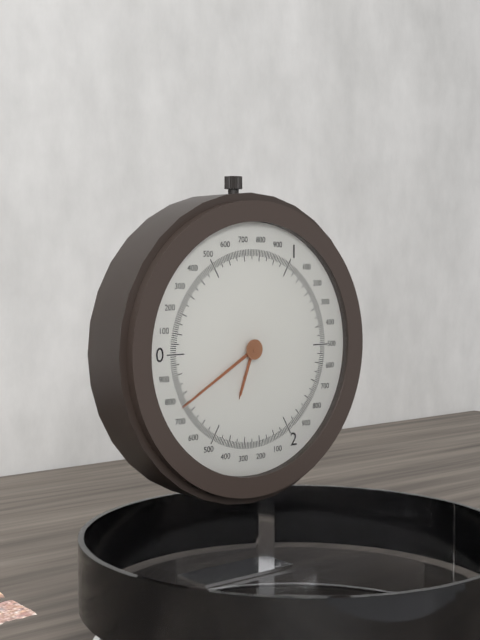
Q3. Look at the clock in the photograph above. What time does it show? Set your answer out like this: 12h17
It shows 6h40
